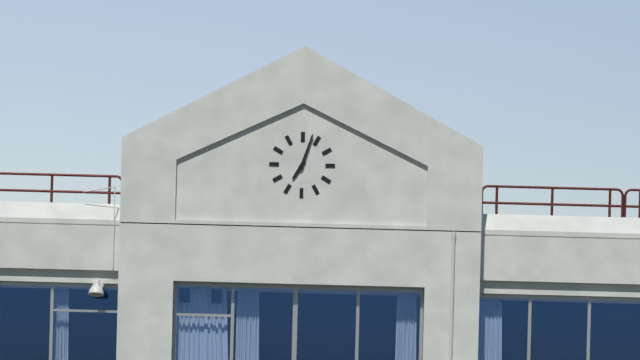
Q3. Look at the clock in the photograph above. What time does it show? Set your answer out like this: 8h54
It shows 7h03
